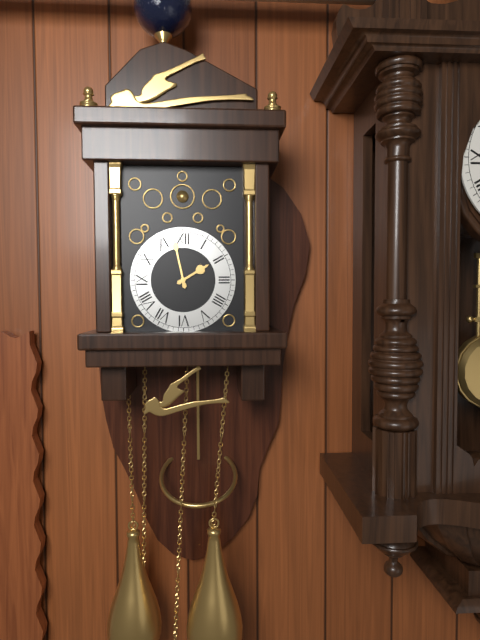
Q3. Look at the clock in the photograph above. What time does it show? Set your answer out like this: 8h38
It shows 1h58
